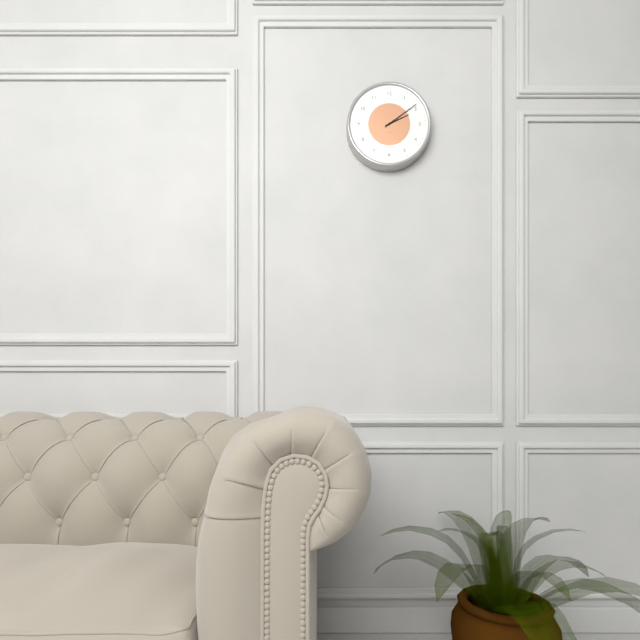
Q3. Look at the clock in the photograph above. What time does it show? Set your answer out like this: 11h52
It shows 2h09
